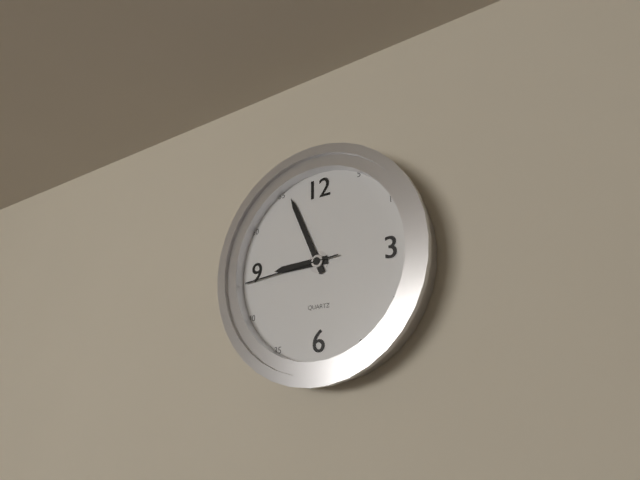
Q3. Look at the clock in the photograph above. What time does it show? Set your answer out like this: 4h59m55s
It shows 8h56m44s
